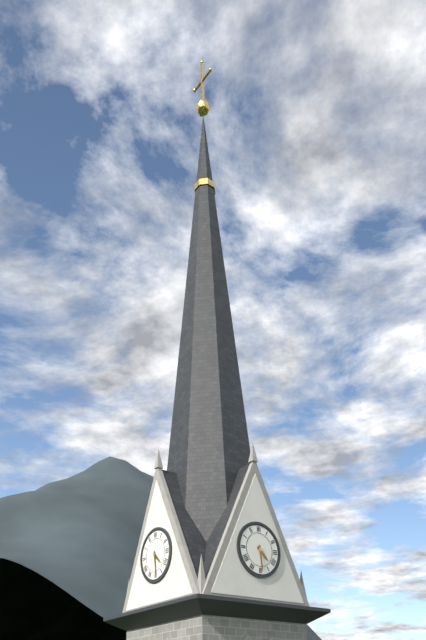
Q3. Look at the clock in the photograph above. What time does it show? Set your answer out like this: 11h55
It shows 4h29
